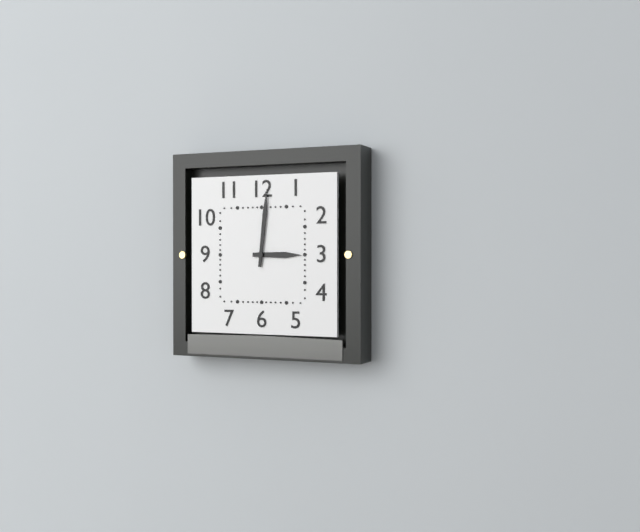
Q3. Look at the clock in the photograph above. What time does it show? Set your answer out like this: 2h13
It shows 3h01
